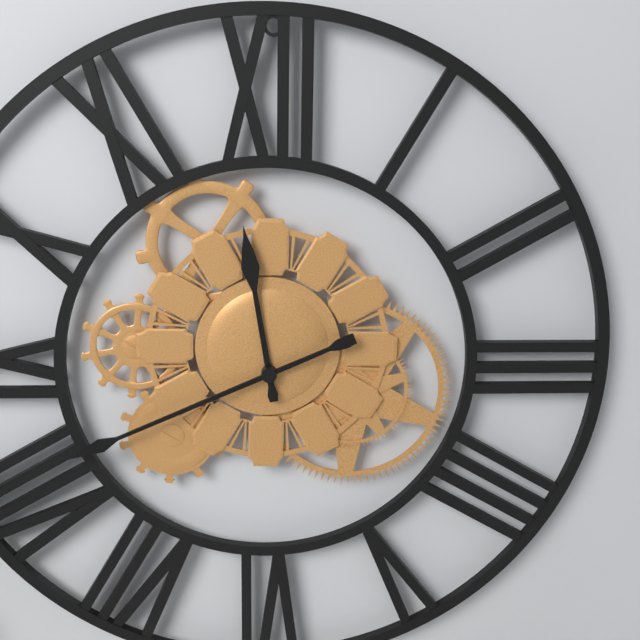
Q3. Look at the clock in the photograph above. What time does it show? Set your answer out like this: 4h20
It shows 11h41
